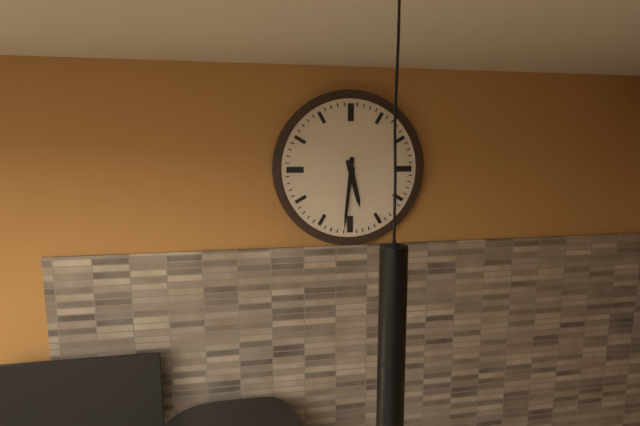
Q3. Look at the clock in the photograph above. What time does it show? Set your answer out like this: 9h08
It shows 5h31
